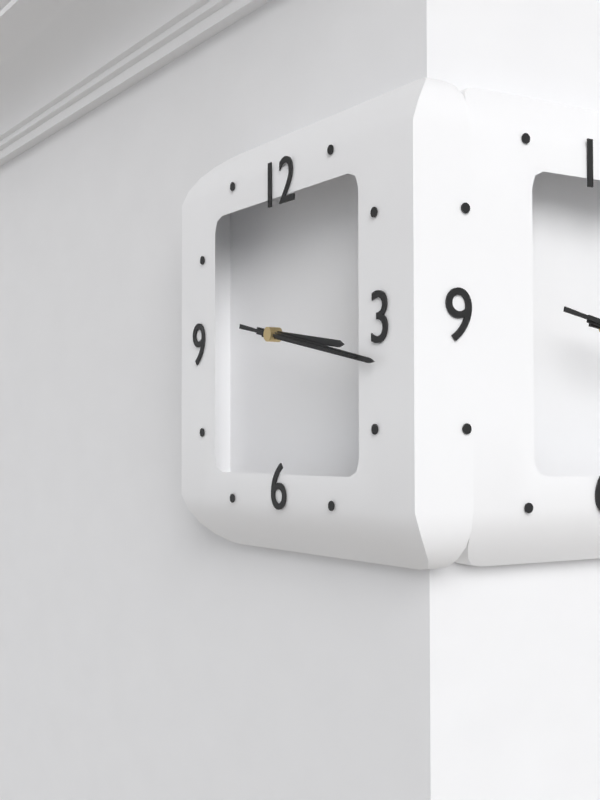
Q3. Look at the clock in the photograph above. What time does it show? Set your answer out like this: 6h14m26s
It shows 3h17m17s
